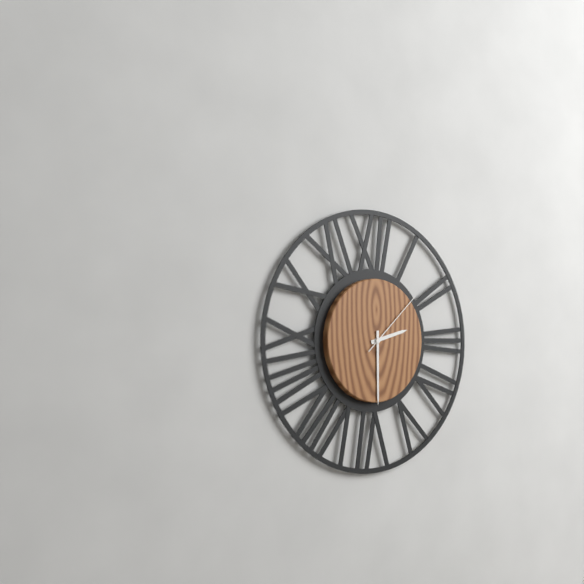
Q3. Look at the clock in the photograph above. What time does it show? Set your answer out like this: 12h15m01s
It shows 2h30m08s
